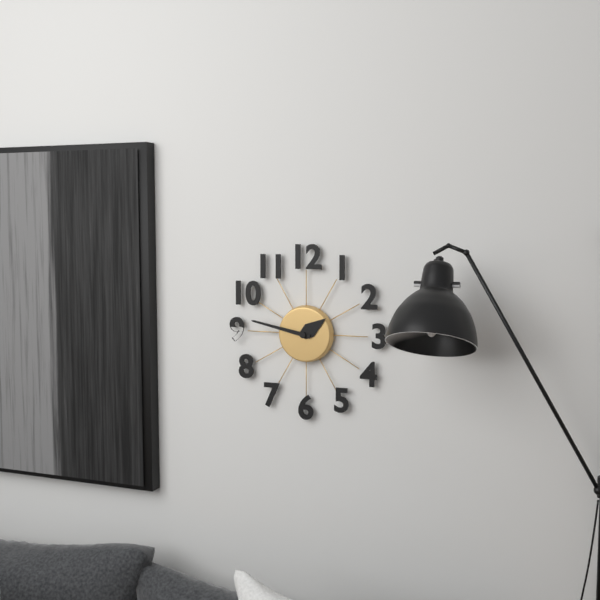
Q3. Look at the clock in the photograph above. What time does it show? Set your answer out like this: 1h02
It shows 1h47
